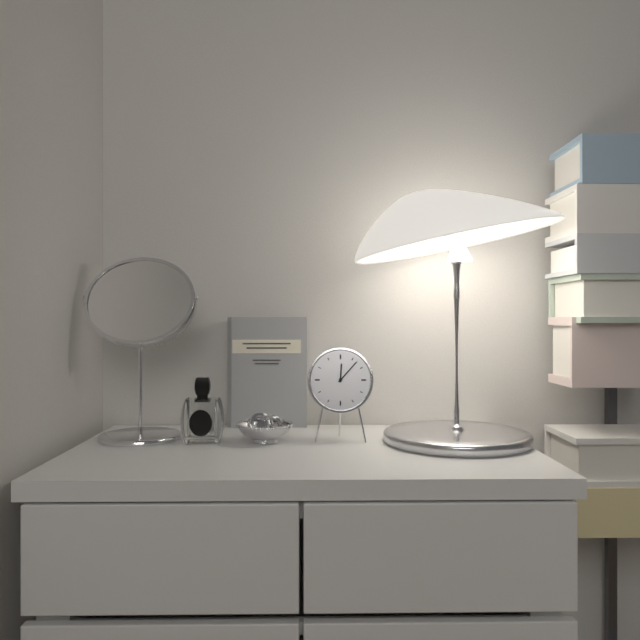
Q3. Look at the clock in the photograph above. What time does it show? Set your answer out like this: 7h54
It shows 12h07
